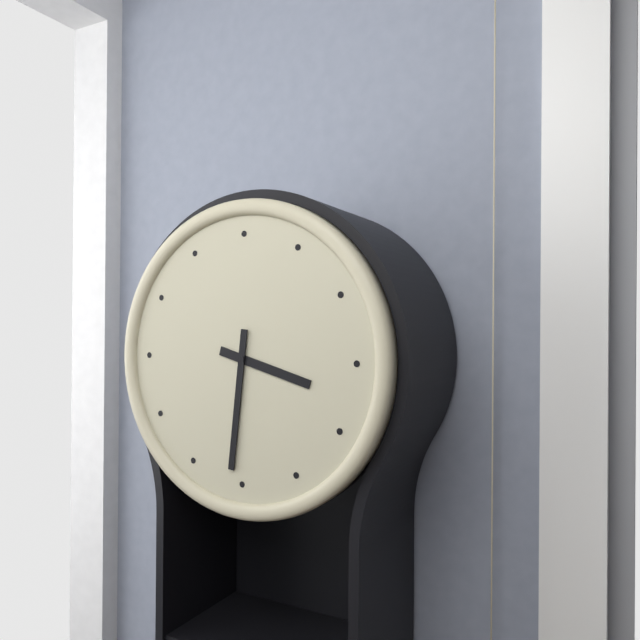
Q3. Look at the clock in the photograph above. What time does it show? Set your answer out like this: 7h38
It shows 3h31
